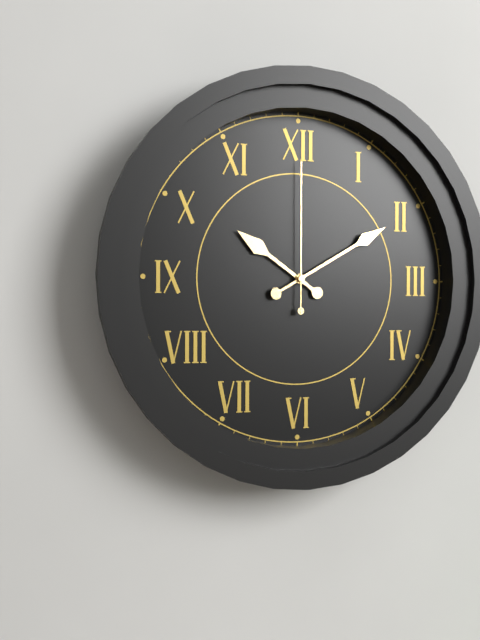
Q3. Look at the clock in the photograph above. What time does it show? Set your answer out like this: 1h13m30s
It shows 10h10m00s
